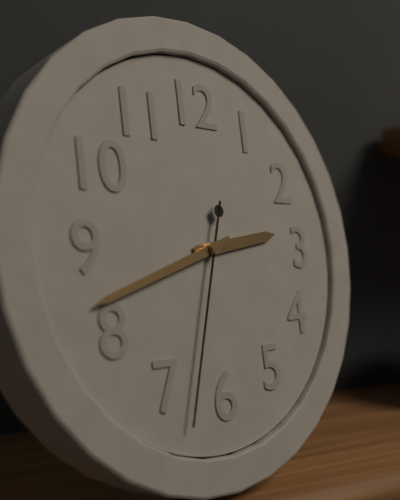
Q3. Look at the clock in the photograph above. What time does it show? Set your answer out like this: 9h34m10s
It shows 2h42m33s
